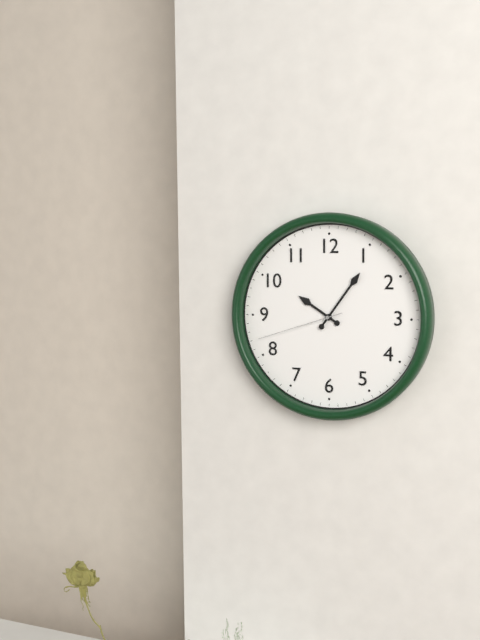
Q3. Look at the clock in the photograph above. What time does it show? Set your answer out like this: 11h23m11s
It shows 10h06m42s
